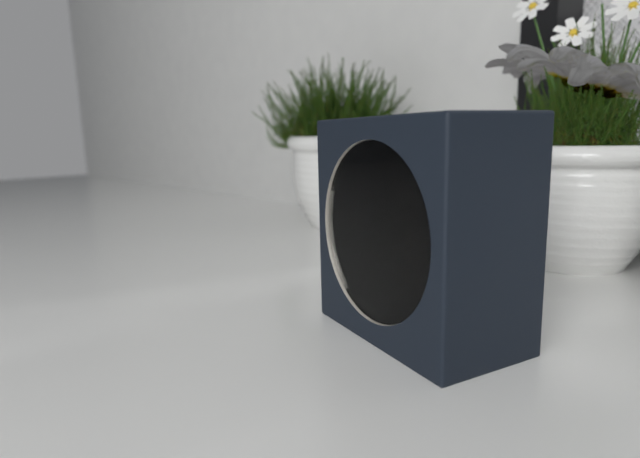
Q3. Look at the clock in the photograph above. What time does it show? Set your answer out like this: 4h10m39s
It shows 1h48m52s
